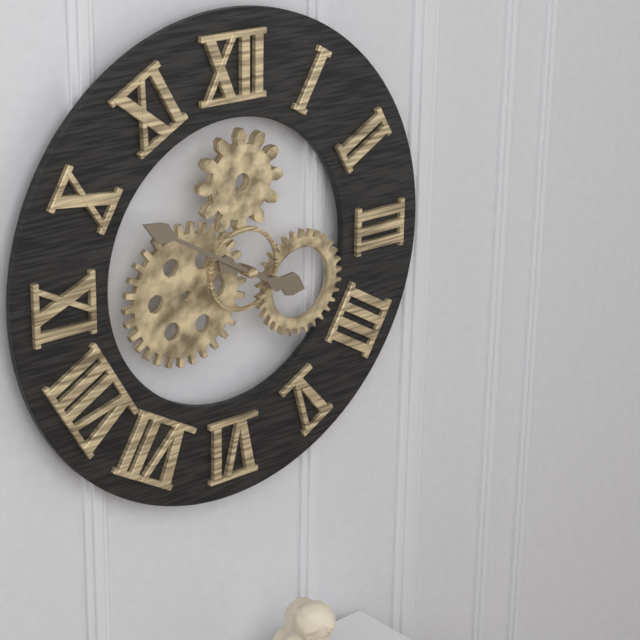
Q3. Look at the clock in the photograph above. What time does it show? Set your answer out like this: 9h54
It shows 3h50
